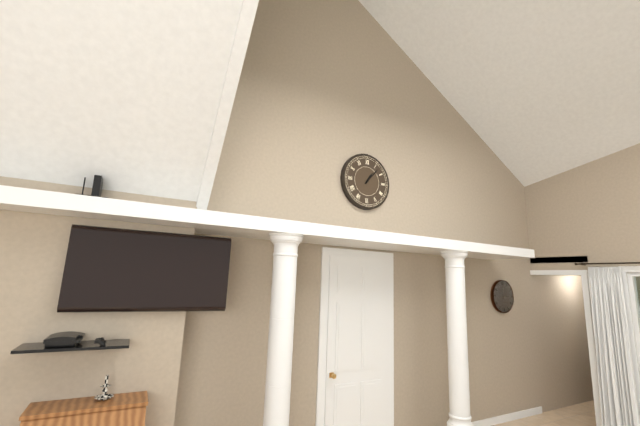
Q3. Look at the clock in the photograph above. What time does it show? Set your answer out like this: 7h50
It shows 1h07
